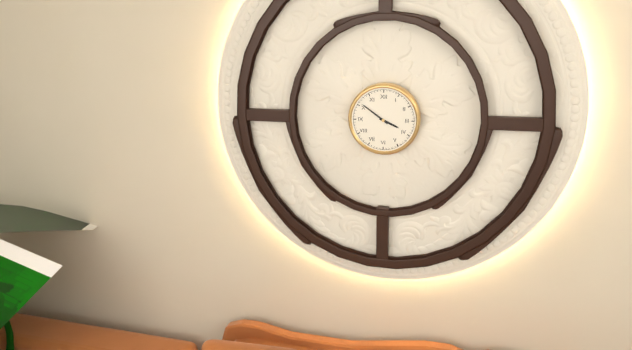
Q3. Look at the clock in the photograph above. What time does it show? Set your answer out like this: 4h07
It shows 3h51
